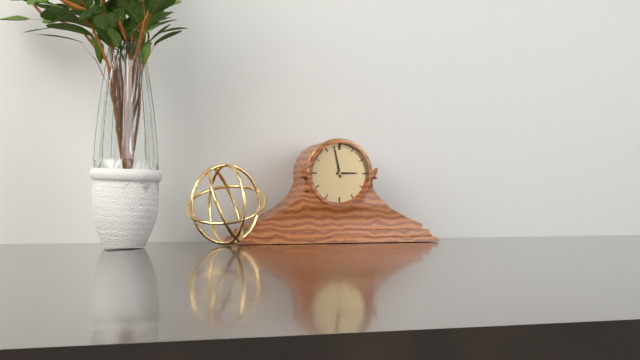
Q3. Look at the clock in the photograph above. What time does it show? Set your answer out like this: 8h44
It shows 2h58
